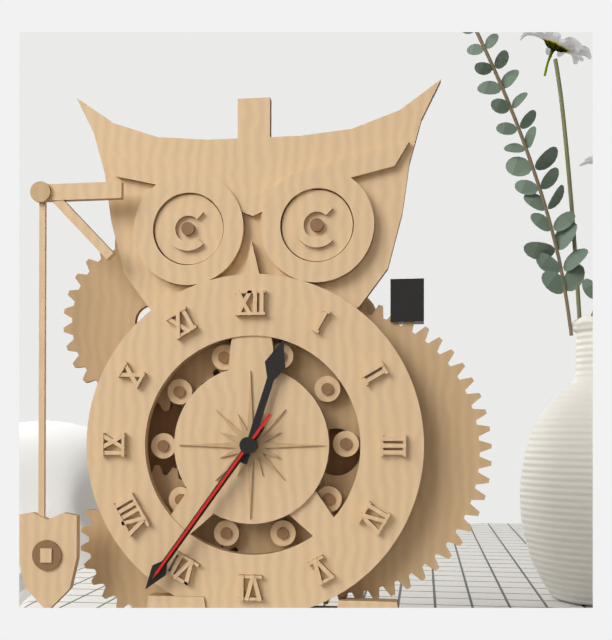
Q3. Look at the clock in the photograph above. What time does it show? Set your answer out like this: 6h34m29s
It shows 12h36m36s
